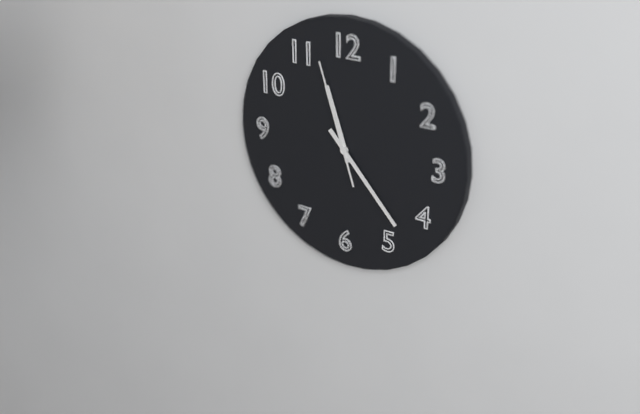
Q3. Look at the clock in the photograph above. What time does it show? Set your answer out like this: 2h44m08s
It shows 11h23m57s
